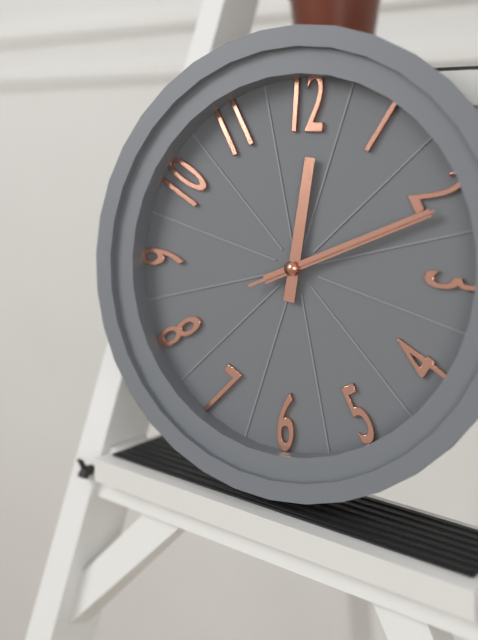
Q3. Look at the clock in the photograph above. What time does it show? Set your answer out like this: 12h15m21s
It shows 12h11m11s
